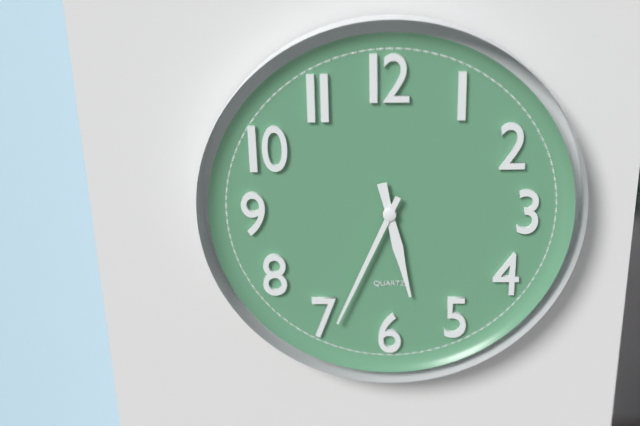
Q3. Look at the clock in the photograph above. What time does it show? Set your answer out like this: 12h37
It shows 5h34
